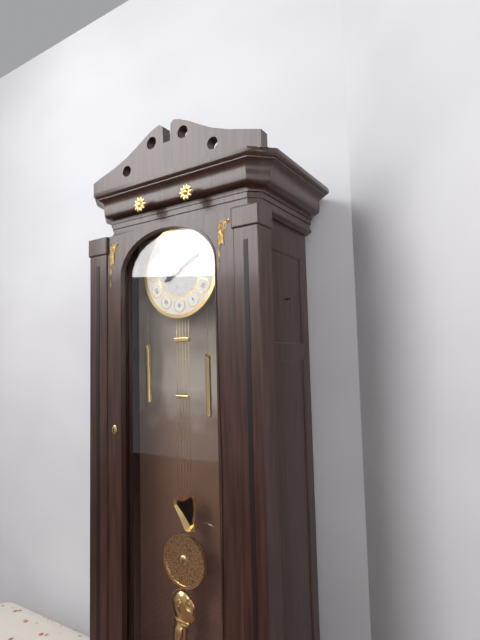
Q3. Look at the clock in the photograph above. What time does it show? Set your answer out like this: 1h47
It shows 8h10
